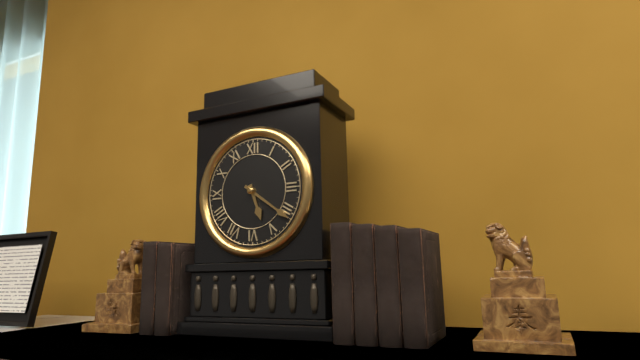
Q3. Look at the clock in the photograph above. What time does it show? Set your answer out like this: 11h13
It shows 5h21
